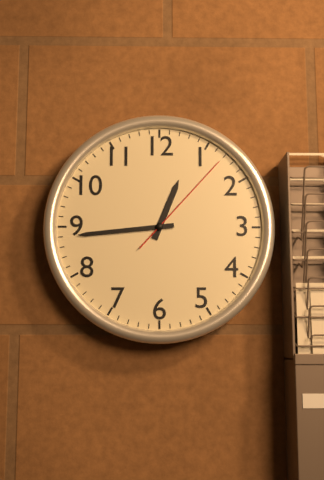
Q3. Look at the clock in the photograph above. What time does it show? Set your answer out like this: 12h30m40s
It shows 12h44m07s
